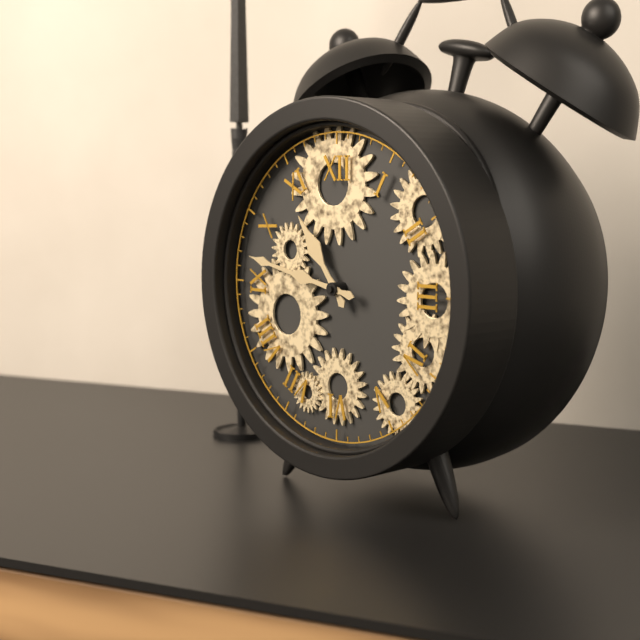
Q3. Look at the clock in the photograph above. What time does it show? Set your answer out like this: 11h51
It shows 10h47
